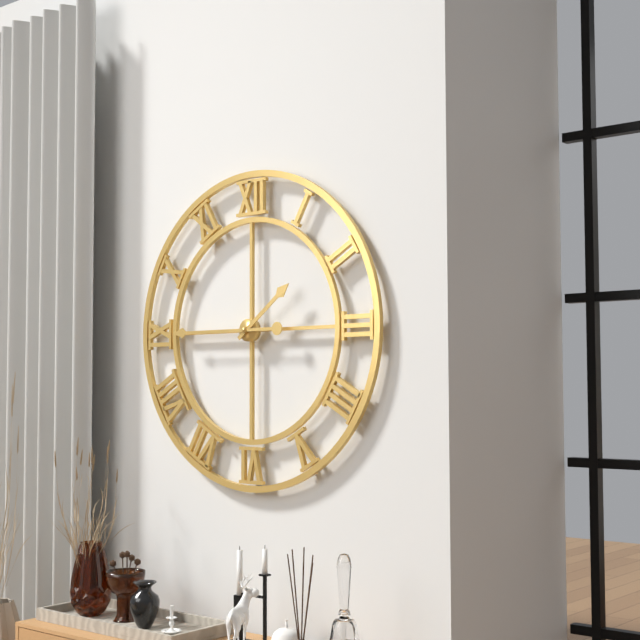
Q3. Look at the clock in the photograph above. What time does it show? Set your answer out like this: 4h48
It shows 1h45
